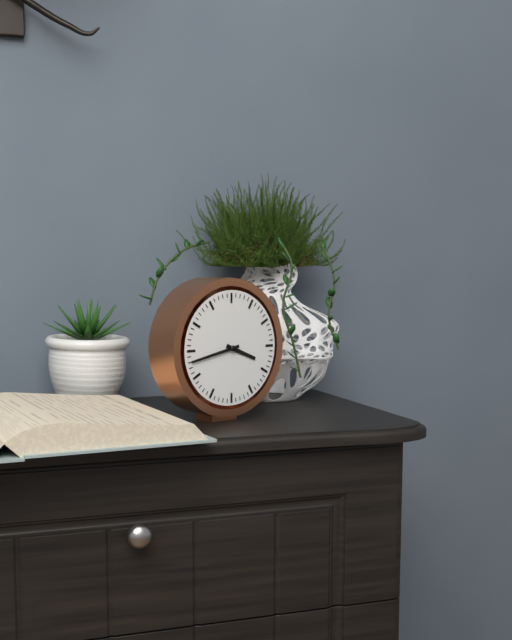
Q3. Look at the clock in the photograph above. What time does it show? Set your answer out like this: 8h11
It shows 3h43
